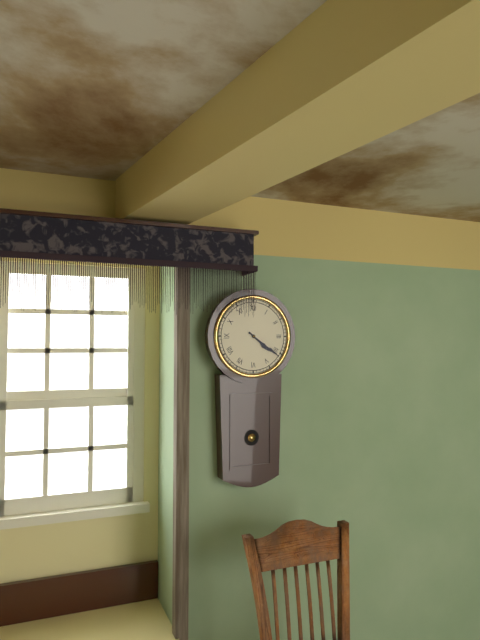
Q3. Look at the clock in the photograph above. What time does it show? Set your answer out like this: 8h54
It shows 4h21
